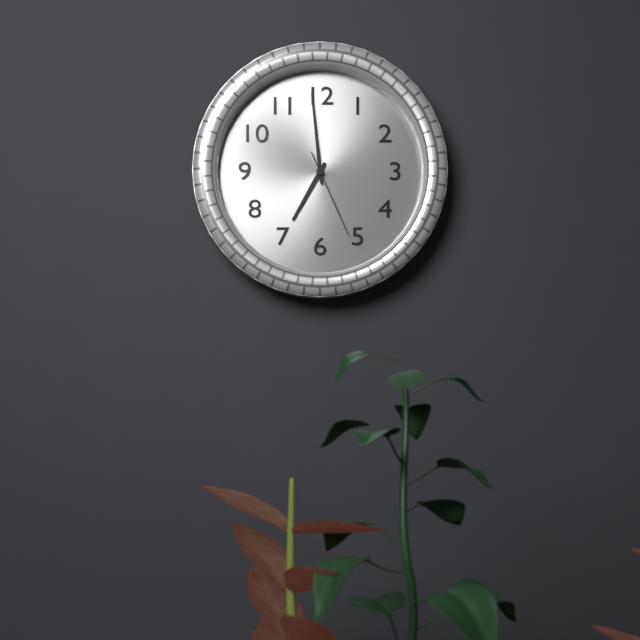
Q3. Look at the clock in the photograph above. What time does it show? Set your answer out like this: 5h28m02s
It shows 6h59m26s
